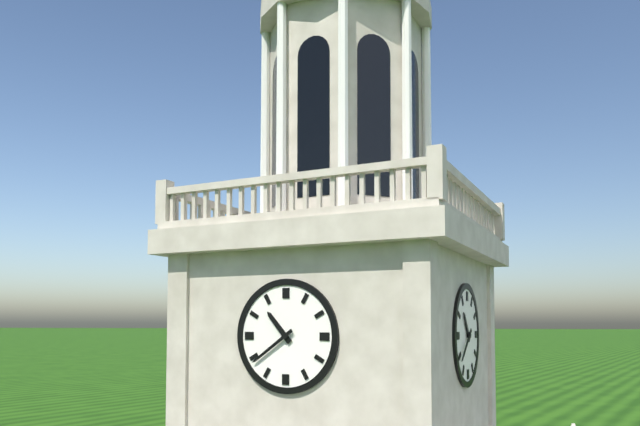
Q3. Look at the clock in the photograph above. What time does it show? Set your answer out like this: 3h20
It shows 10h39
